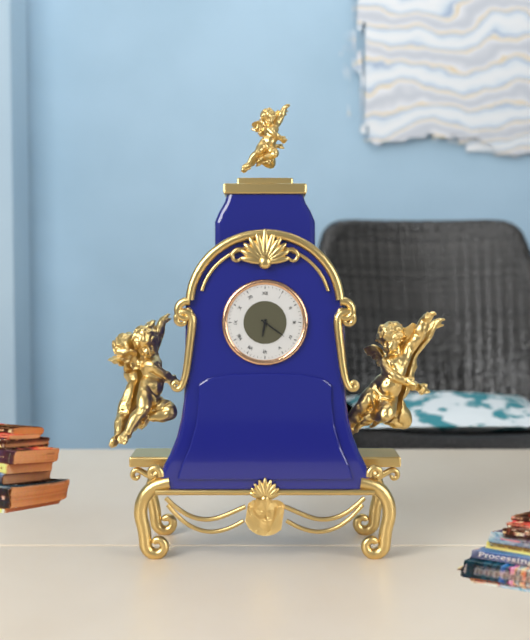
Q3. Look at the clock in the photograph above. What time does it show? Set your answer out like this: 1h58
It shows 6h21
